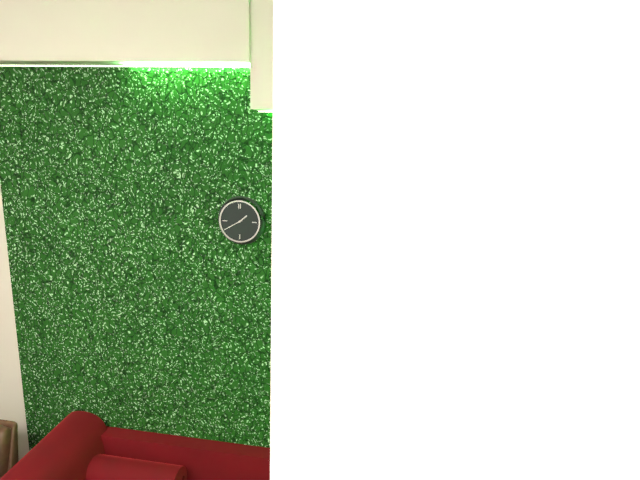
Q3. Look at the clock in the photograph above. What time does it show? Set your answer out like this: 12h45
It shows 1h40
